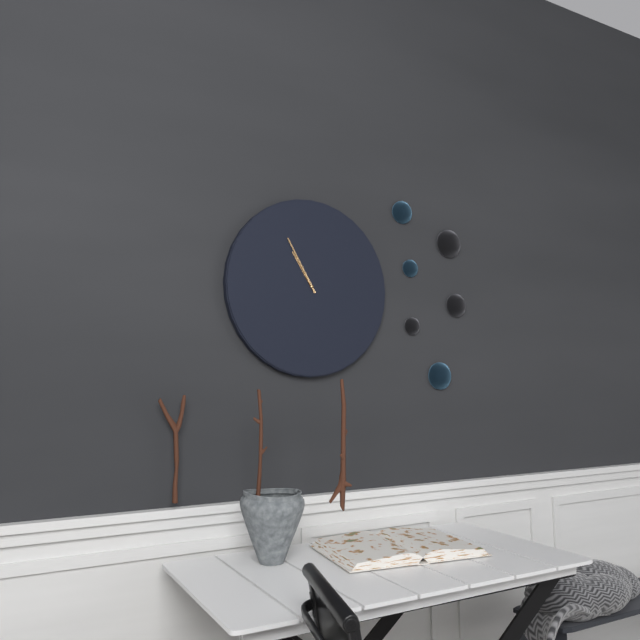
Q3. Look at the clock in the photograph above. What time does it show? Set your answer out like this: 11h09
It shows 10h55
